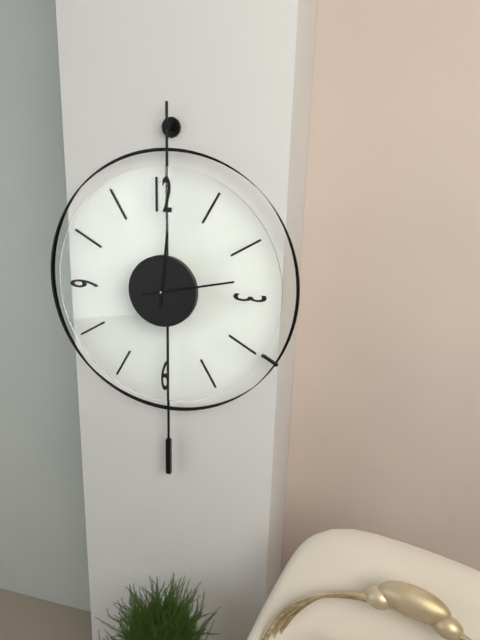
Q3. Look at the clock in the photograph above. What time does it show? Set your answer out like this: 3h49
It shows 12h13
